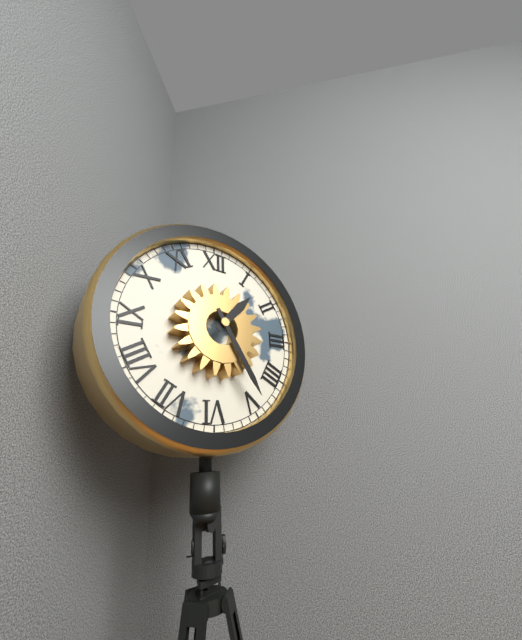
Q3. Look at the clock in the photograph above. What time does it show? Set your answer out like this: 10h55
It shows 1h25
